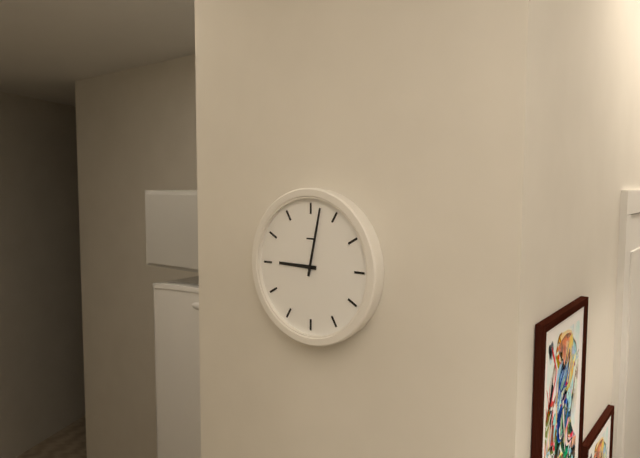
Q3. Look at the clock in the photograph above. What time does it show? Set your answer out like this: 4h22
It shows 9h02
